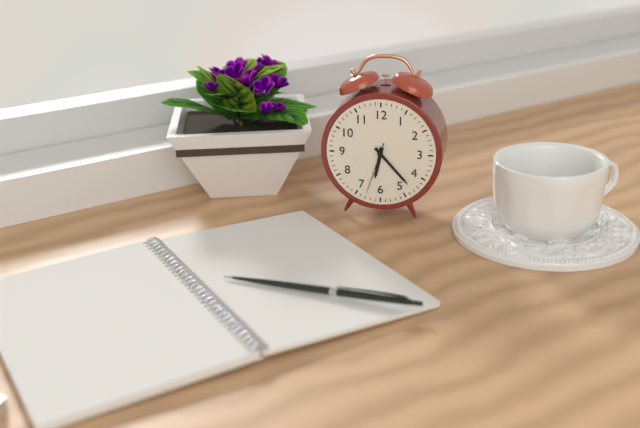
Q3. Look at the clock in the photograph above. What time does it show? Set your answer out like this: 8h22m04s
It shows 6h23m33s
